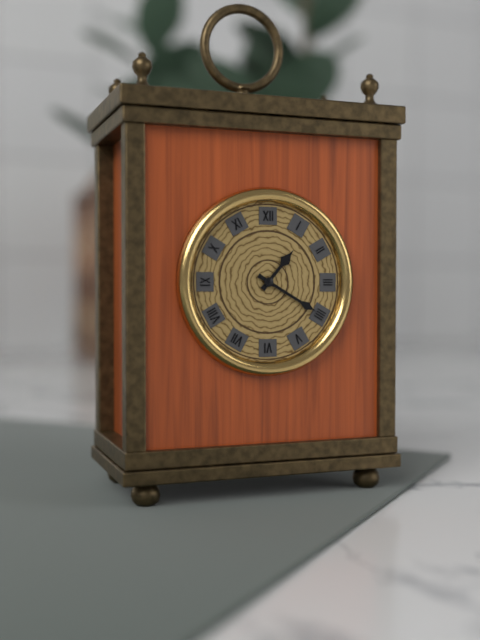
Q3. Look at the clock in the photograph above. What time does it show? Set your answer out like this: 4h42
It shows 1h20
